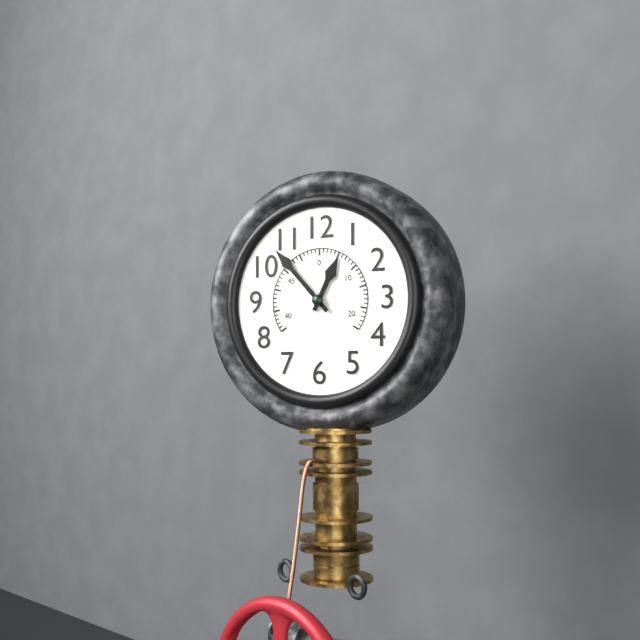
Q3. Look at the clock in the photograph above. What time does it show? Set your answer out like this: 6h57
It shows 12h53
